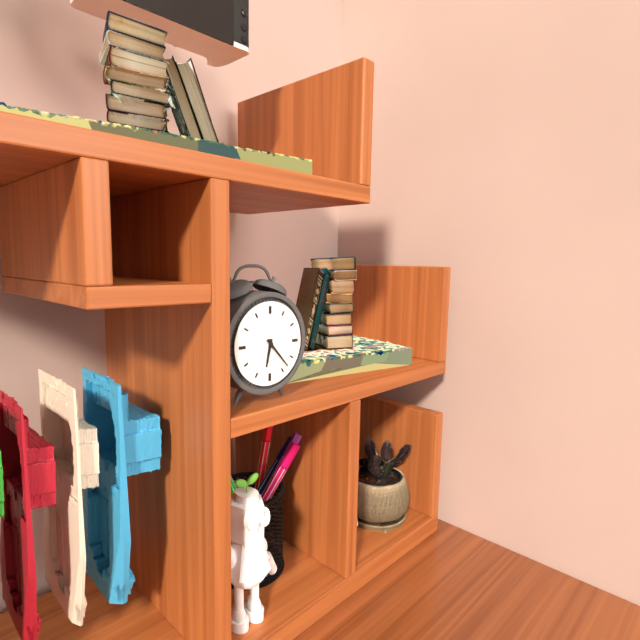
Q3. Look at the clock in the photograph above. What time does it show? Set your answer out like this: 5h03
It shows 6h23
